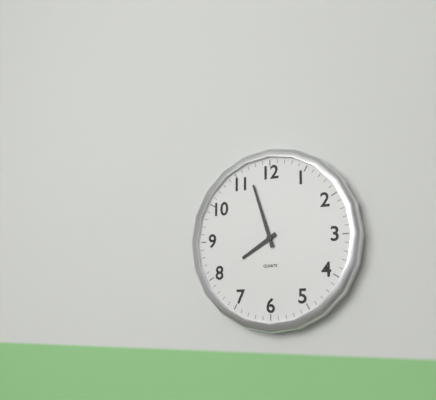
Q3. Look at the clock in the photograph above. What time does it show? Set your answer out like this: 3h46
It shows 7h57
